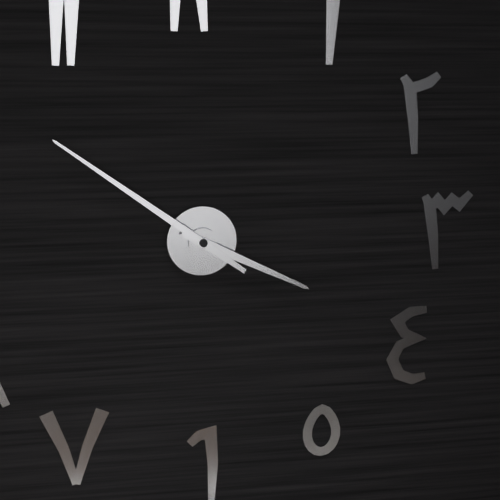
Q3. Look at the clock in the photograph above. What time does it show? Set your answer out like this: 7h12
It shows 3h51
